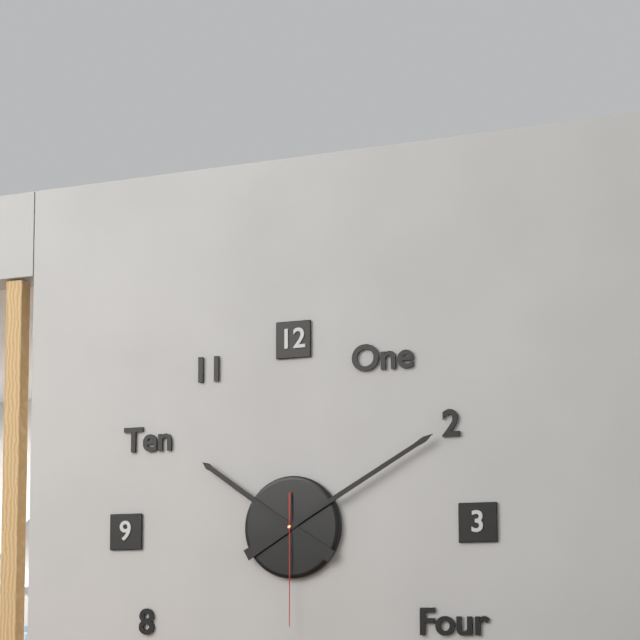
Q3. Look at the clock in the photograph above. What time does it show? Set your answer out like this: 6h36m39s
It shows 10h10m30s
